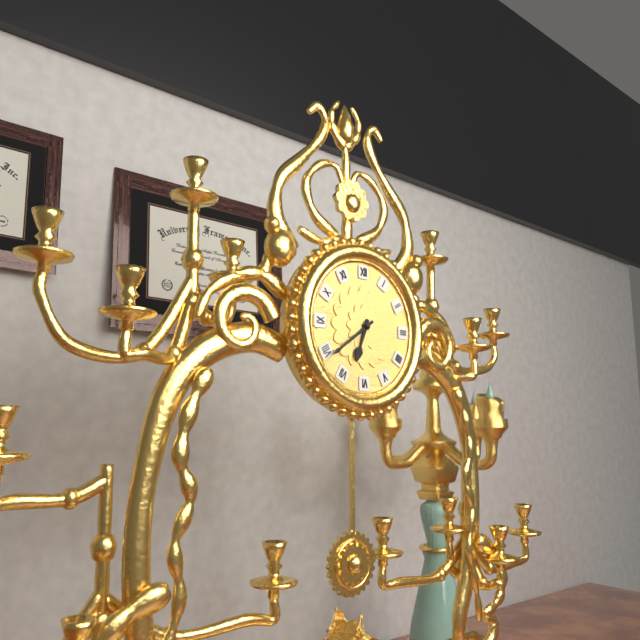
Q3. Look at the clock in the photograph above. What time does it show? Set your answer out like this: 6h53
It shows 6h39
